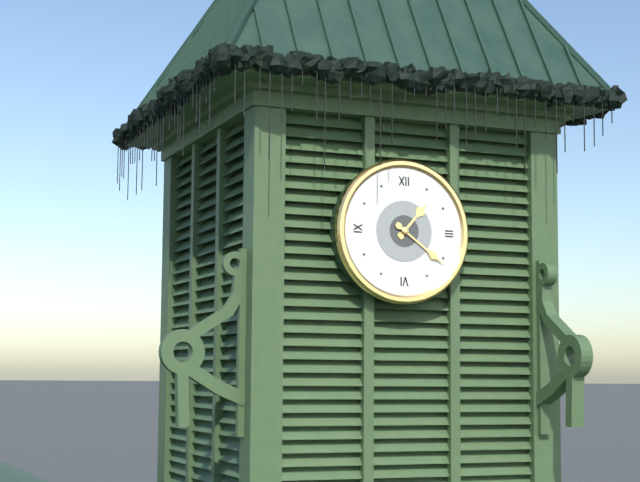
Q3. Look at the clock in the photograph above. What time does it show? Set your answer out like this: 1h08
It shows 1h21
